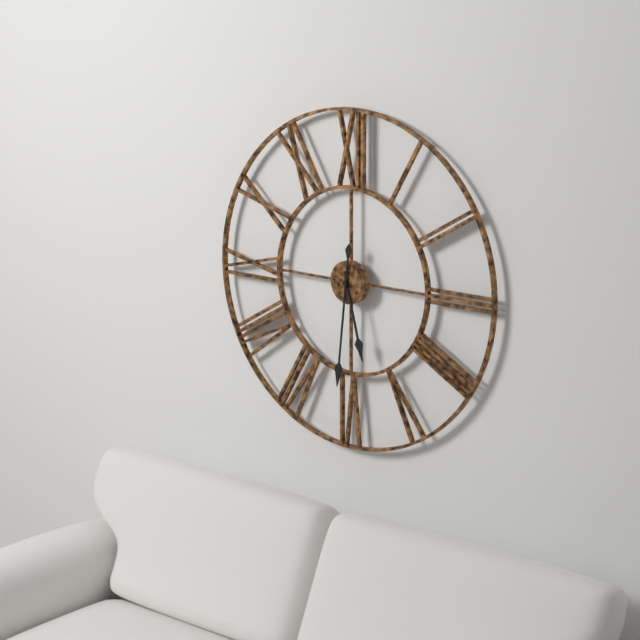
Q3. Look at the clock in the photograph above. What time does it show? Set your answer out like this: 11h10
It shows 5h31
